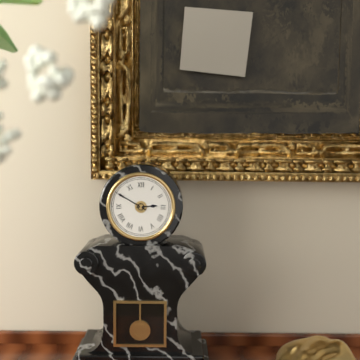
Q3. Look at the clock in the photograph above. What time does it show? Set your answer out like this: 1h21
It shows 2h50
